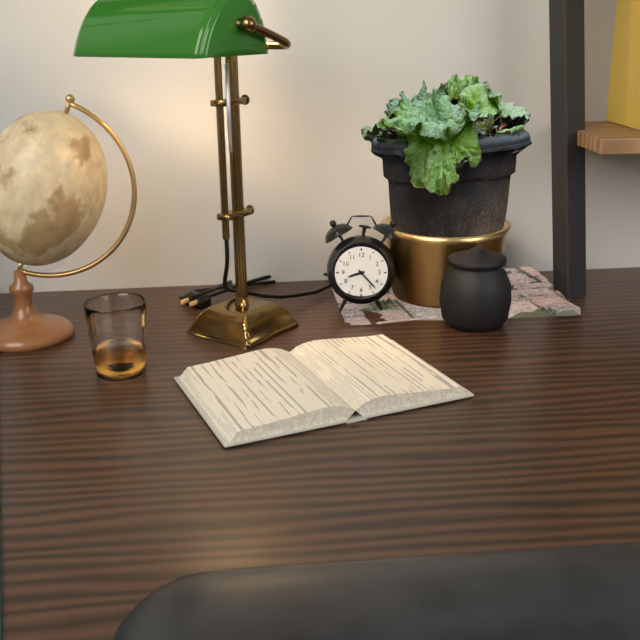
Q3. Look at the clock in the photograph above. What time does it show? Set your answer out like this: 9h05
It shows 8h23
